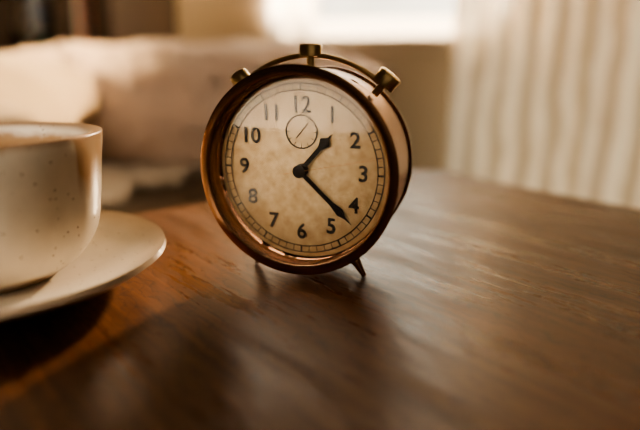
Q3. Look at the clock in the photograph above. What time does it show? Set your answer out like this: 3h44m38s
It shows 1h22m13s
